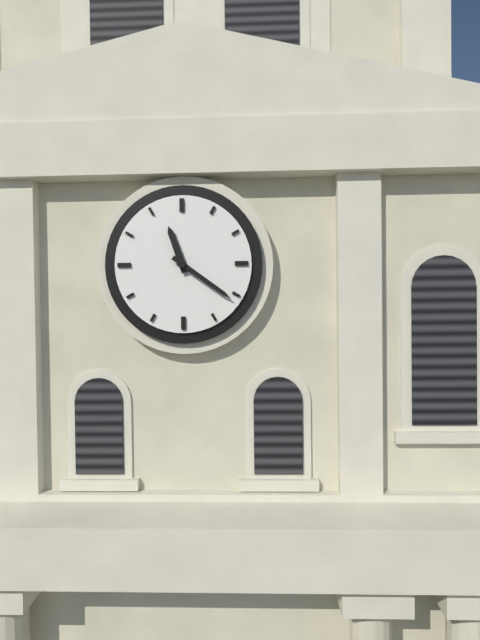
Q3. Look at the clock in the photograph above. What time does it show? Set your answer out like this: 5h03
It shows 11h21
